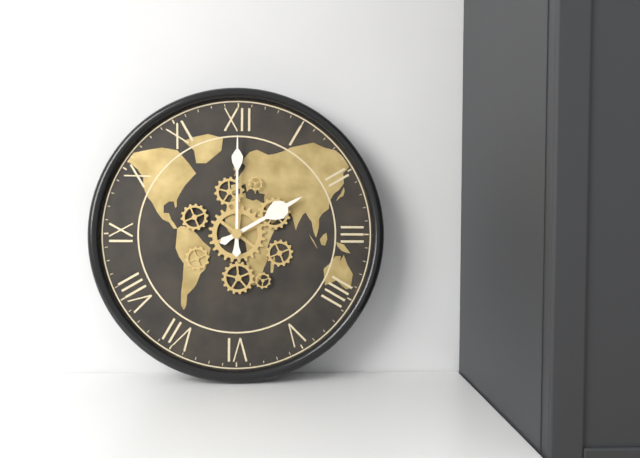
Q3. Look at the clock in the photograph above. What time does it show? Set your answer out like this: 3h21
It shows 2h00
